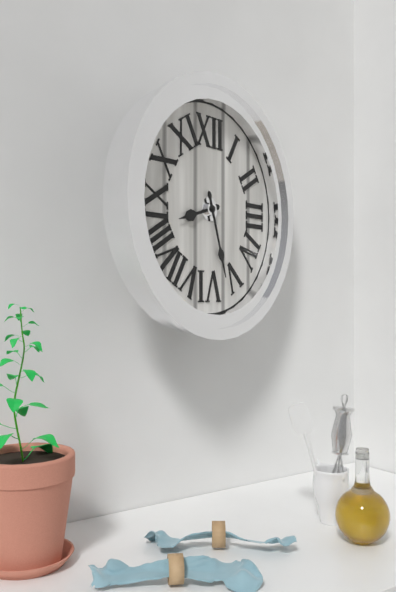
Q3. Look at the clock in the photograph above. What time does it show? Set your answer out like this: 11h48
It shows 8h27
